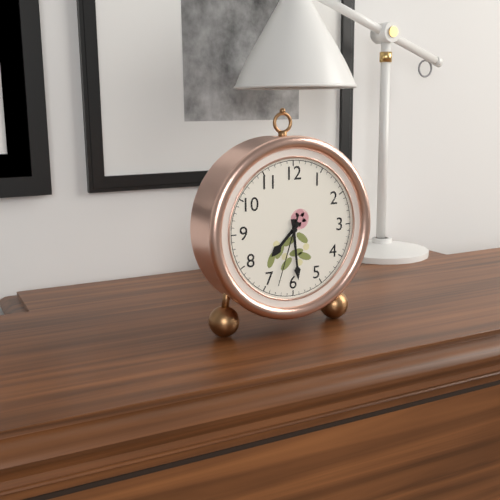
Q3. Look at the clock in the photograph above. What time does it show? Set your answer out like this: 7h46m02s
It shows 7h29m33s
